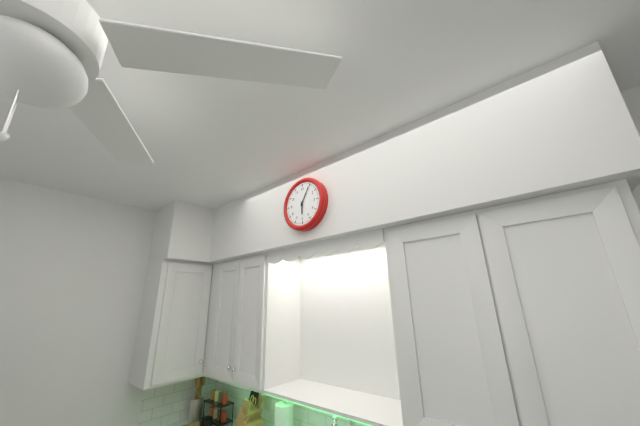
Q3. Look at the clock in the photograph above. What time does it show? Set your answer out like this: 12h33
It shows 6h05
